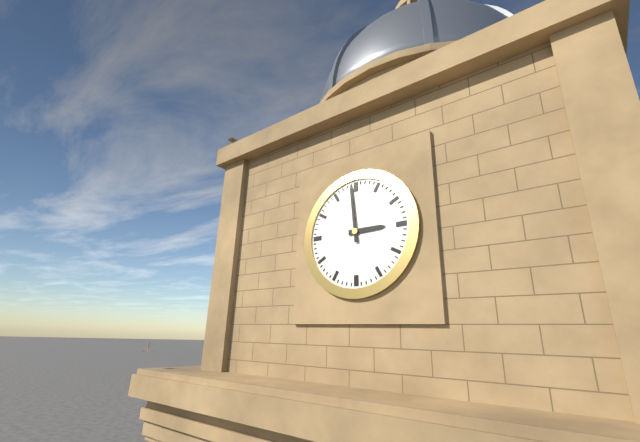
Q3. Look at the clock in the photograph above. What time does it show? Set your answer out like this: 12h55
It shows 2h59
